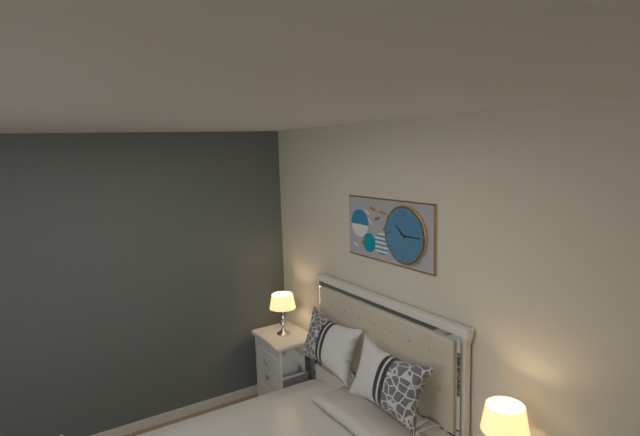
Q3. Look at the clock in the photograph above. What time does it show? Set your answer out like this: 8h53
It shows 10h15
